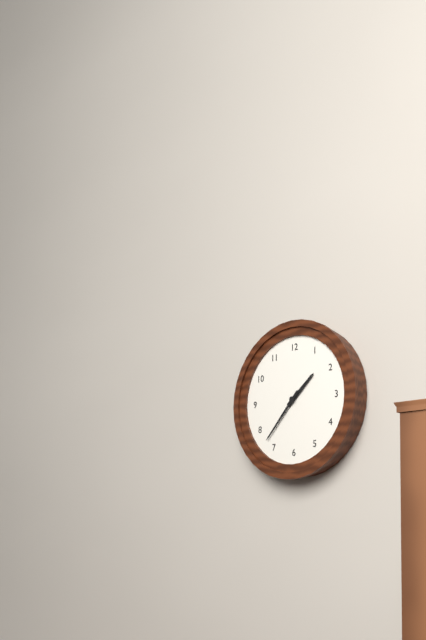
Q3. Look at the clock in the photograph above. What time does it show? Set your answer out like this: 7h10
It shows 1h37
